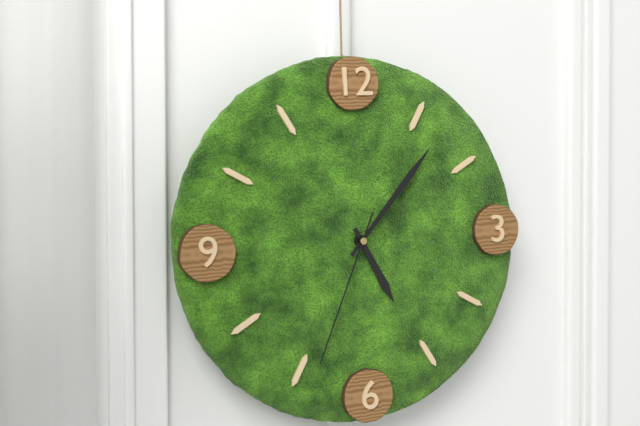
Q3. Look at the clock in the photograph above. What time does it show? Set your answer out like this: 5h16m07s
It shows 5h07m34s
